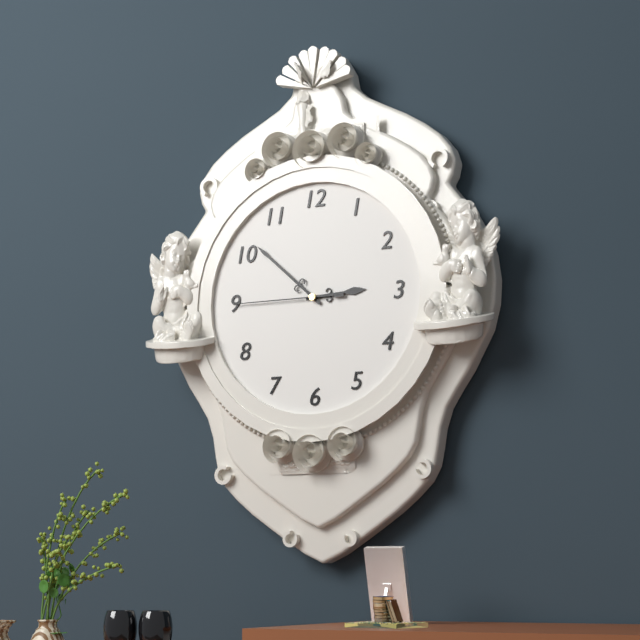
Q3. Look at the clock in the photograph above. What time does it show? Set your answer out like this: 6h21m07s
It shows 2h52m45s
